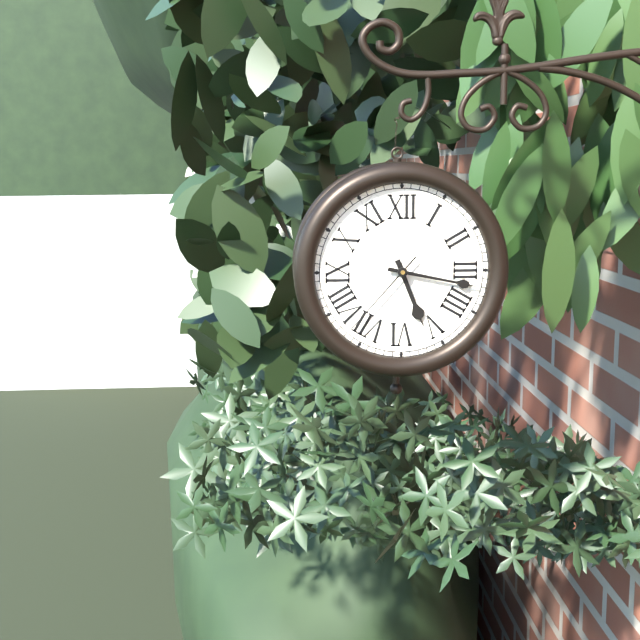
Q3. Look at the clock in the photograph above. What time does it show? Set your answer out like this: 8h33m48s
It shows 5h17m37s
